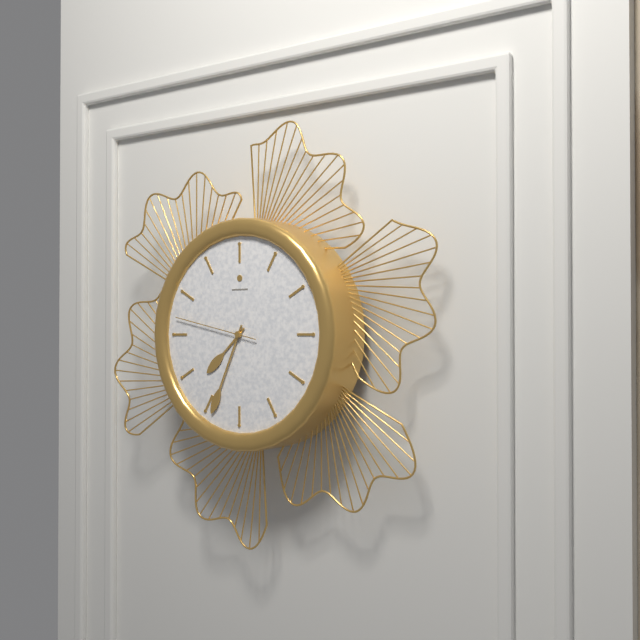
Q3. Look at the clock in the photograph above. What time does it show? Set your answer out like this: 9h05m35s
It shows 7h34m47s
